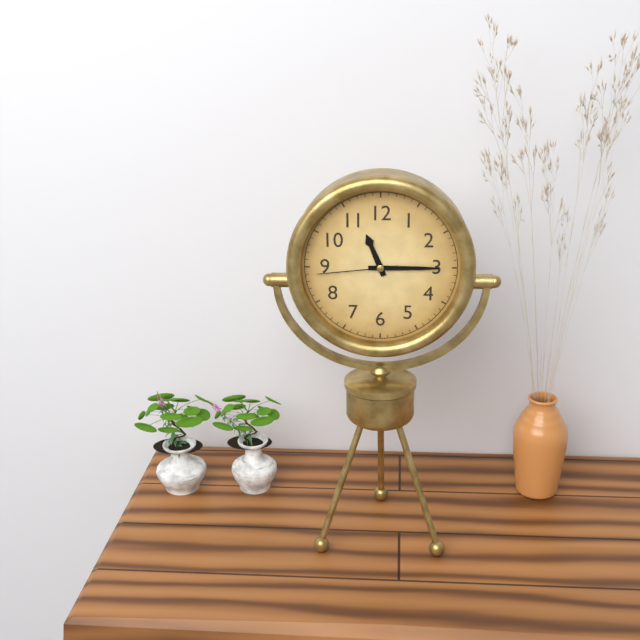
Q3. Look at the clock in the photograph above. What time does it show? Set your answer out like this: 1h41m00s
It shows 11h15m44s
